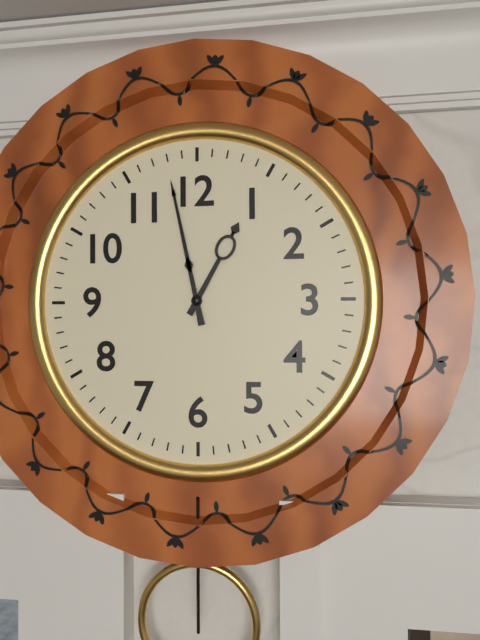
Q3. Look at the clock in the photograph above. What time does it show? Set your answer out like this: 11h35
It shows 12h58
